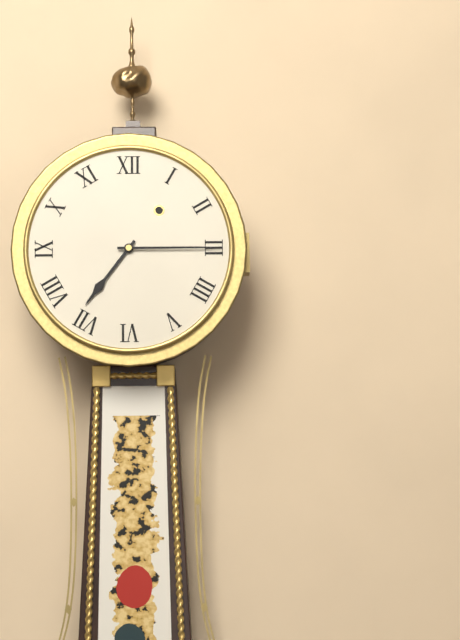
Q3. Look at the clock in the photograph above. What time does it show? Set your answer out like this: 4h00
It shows 7h15
